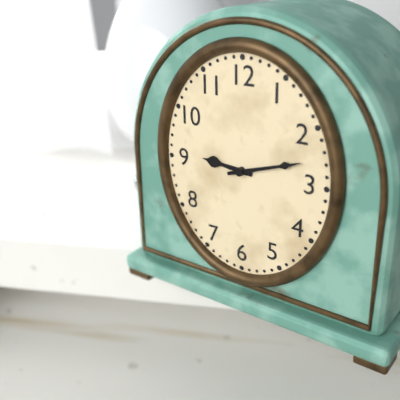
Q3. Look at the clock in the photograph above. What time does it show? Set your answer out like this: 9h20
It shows 9h12
